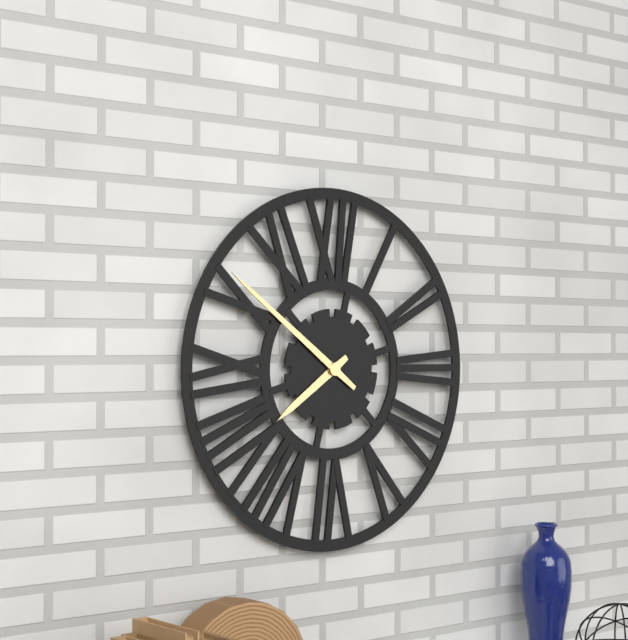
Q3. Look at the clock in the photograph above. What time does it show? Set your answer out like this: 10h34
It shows 7h51
